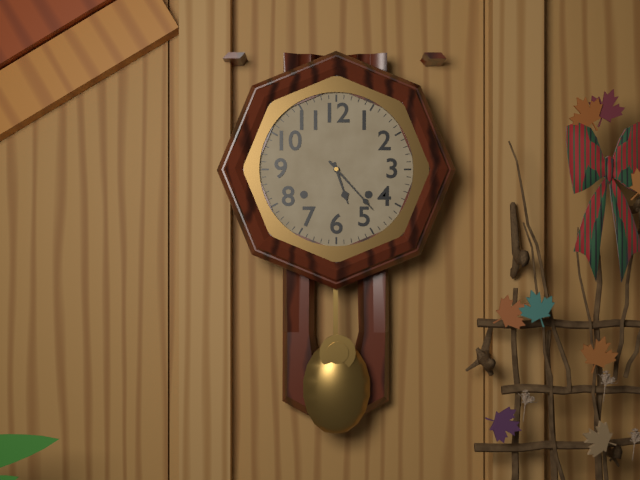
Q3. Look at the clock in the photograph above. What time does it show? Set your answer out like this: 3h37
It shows 5h23
